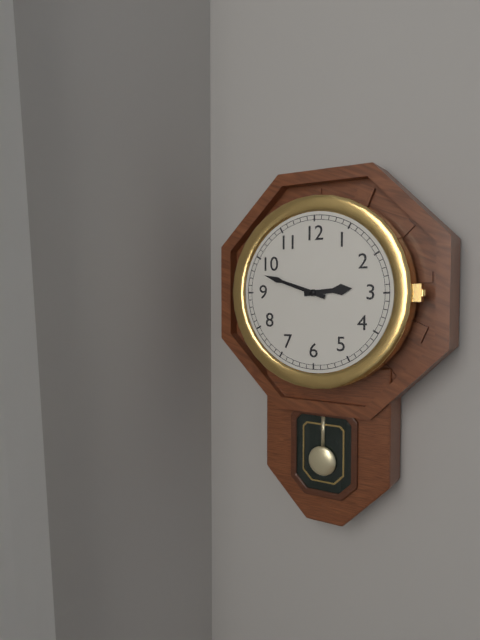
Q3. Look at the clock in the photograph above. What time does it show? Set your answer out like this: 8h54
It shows 2h48
